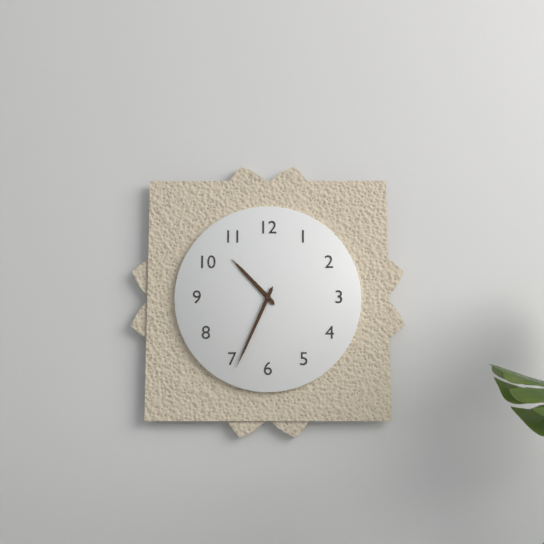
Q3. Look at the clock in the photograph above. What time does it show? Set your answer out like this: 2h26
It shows 10h34
